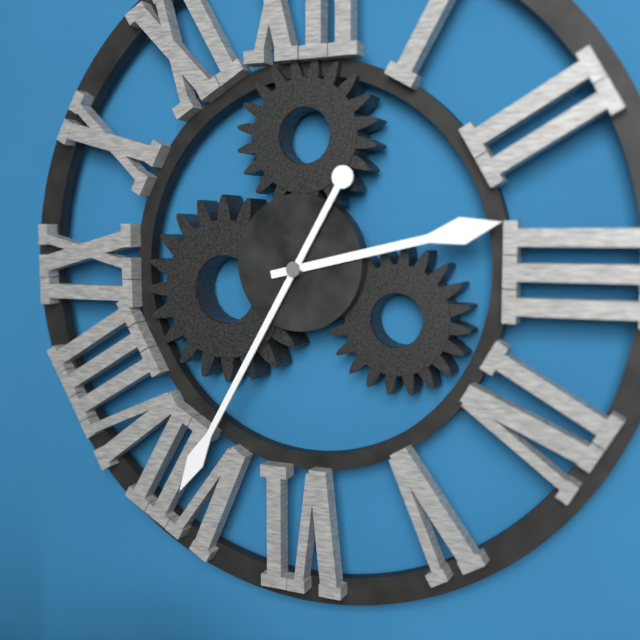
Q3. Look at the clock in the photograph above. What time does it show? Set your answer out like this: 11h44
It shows 2h35
